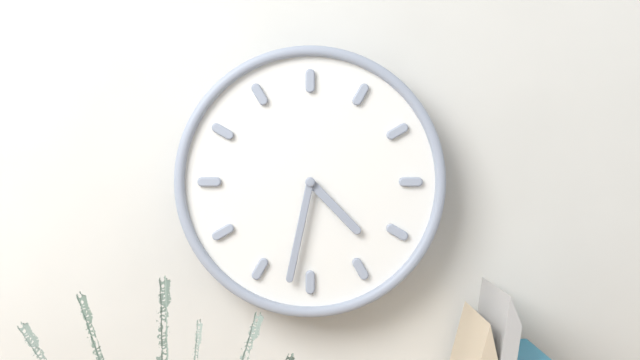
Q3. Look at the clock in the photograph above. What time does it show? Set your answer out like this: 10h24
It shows 4h32
